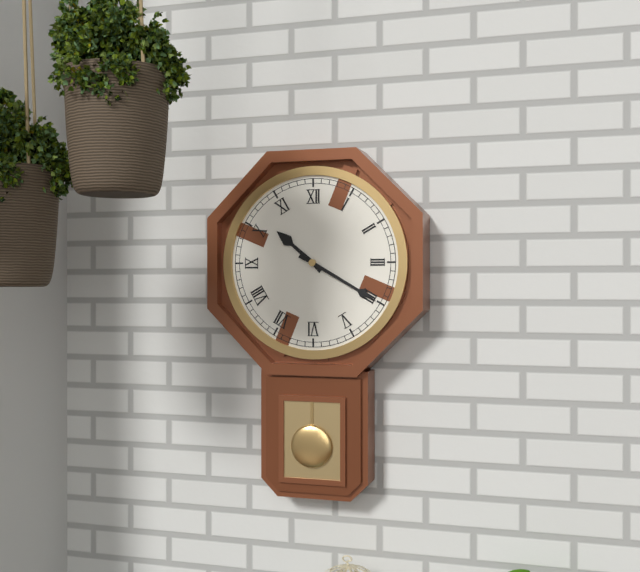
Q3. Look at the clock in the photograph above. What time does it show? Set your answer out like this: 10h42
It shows 10h20
